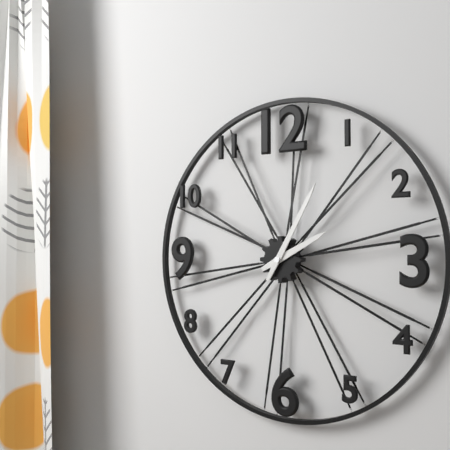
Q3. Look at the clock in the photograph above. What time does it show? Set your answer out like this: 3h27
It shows 2h05
